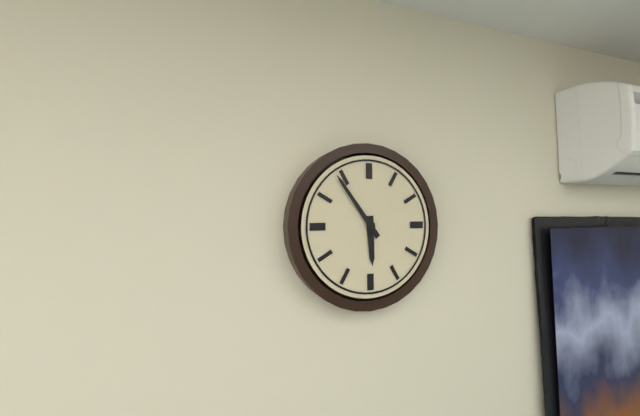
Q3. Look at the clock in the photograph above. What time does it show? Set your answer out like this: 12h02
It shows 5h54
